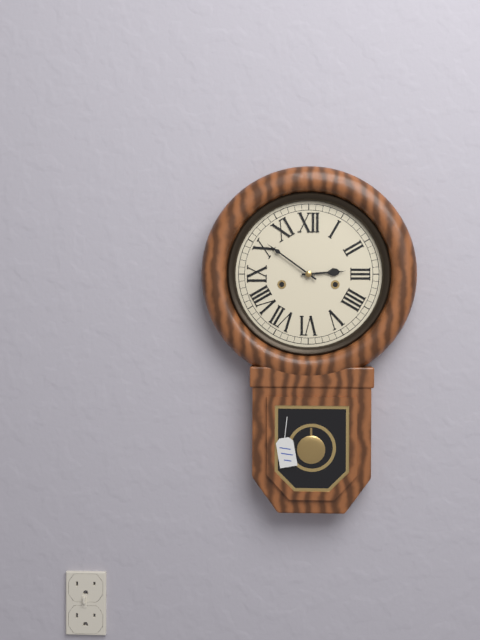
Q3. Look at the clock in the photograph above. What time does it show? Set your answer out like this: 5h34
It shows 2h51
